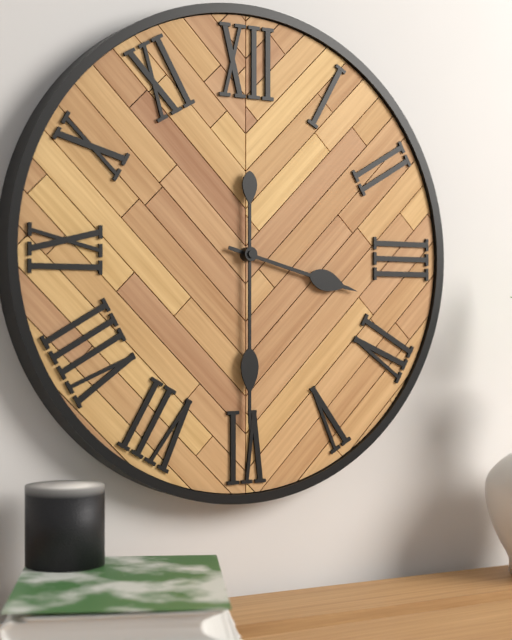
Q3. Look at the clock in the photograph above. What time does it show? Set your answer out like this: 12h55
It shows 3h30
